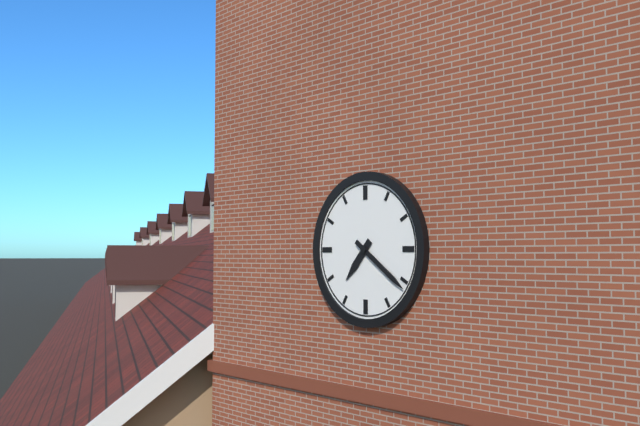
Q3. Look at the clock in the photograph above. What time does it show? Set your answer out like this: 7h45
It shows 7h21
